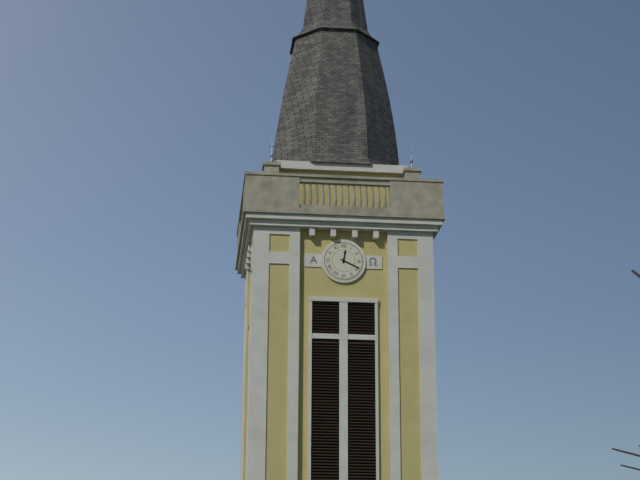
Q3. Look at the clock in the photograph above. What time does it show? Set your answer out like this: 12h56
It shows 12h19
